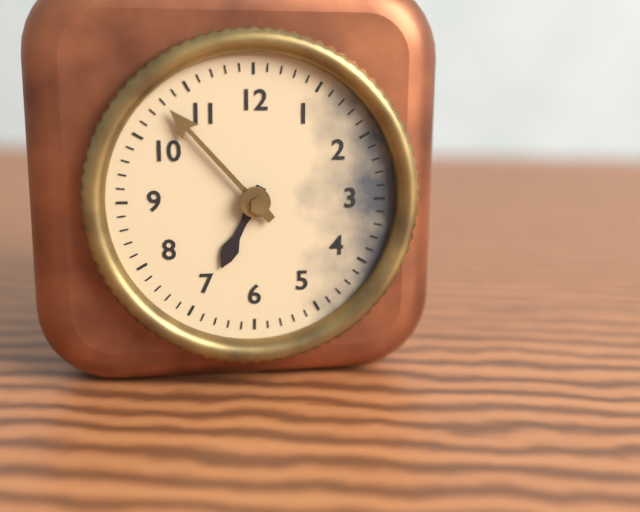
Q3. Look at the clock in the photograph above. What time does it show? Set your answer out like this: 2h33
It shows 6h53
